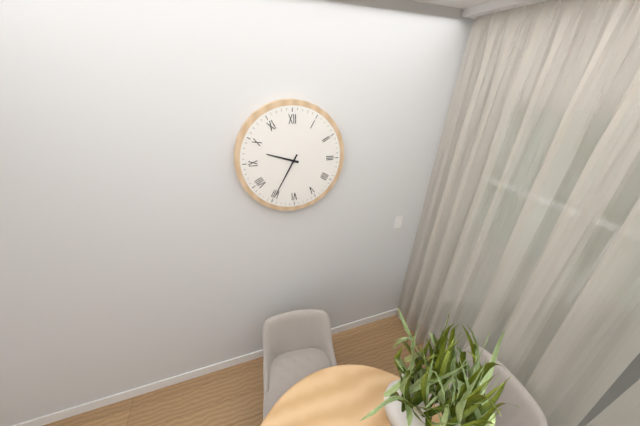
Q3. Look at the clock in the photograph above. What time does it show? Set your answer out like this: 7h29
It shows 9h35
